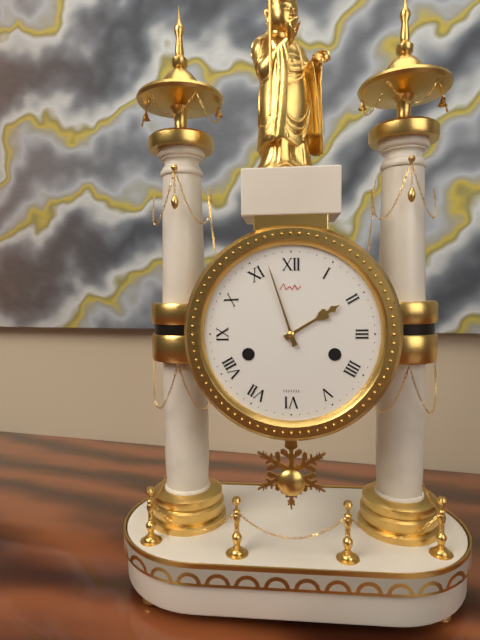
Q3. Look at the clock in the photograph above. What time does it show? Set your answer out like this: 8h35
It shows 1h57
